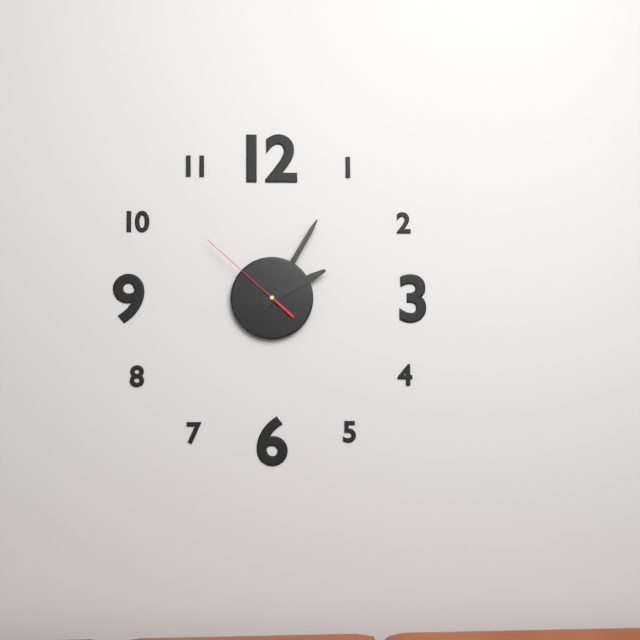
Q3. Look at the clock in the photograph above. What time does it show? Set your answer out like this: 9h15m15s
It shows 2h05m52s
